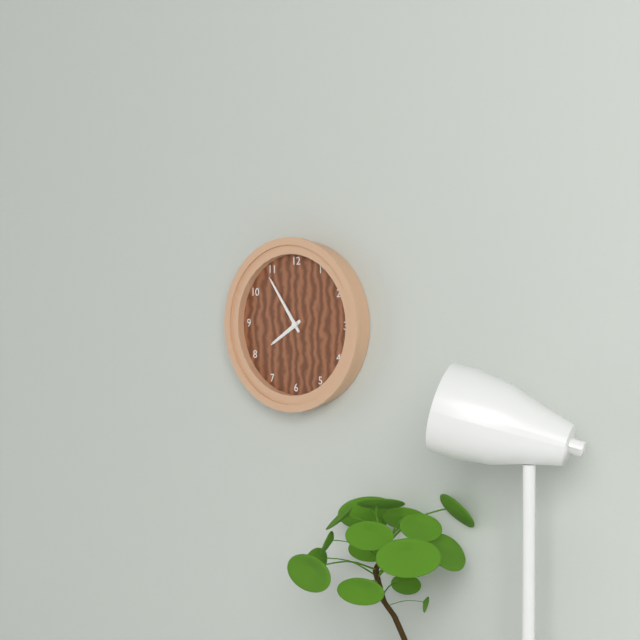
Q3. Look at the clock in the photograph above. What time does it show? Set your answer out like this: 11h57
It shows 7h54
